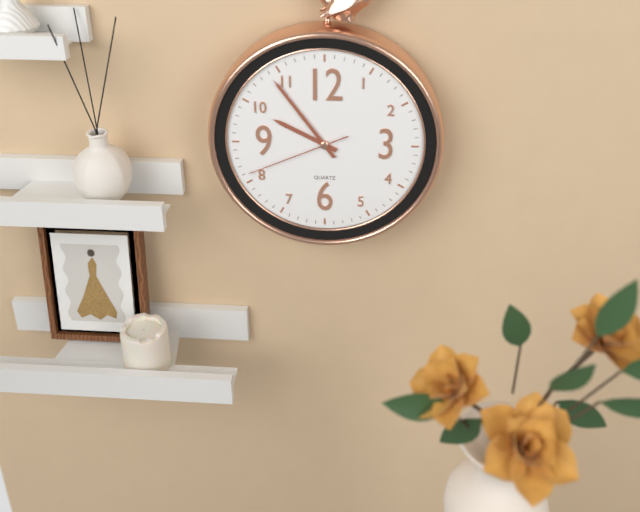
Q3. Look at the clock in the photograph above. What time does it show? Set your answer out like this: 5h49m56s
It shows 9h54m41s
